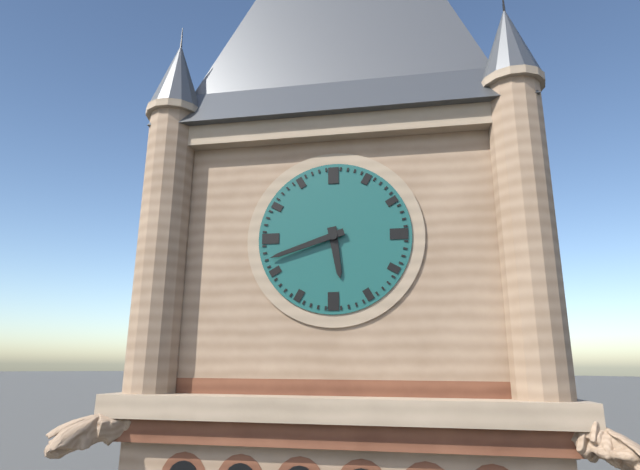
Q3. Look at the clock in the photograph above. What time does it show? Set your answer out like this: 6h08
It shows 5h42
